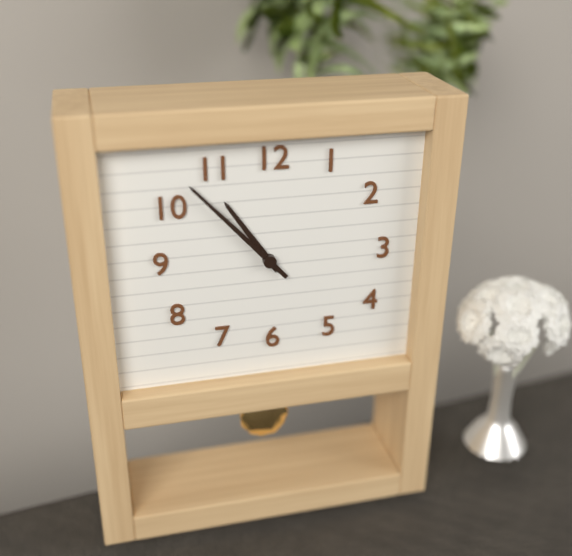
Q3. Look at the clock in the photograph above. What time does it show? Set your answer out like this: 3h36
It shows 10h53
